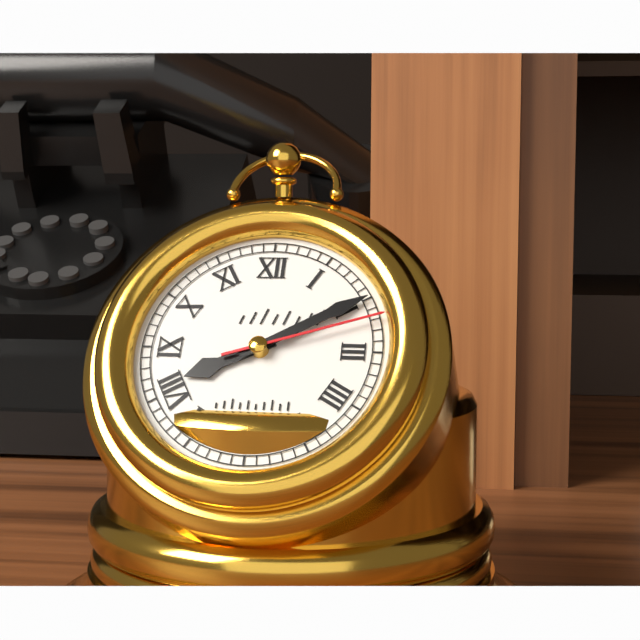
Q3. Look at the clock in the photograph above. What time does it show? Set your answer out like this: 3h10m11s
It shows 8h10m12s
